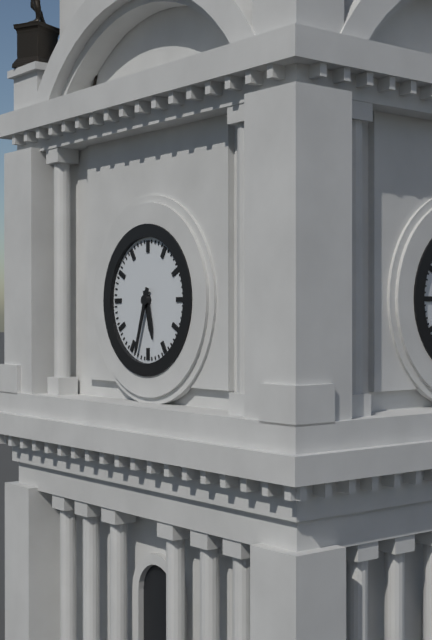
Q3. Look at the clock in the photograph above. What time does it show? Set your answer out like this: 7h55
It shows 5h33
